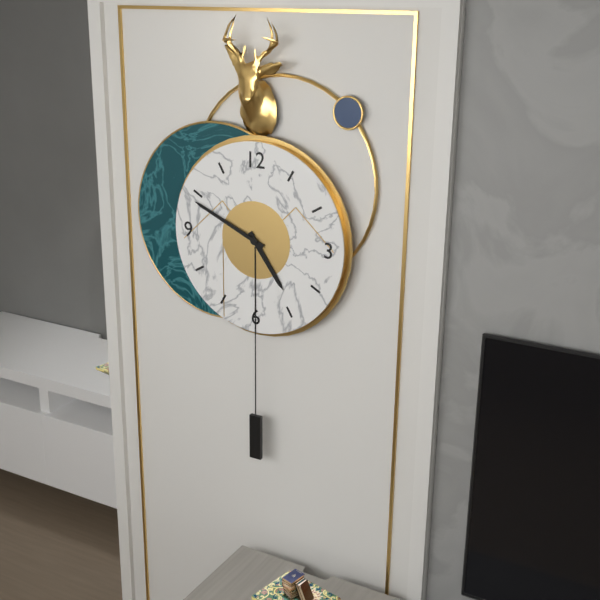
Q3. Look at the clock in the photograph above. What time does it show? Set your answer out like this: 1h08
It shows 4h49
